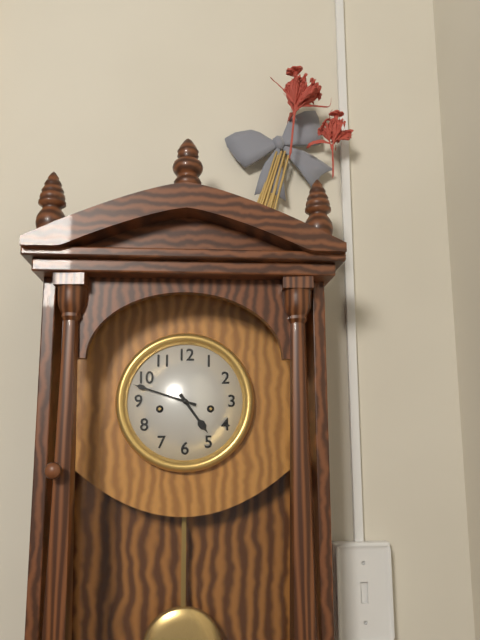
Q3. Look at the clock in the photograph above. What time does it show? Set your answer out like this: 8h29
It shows 4h48
